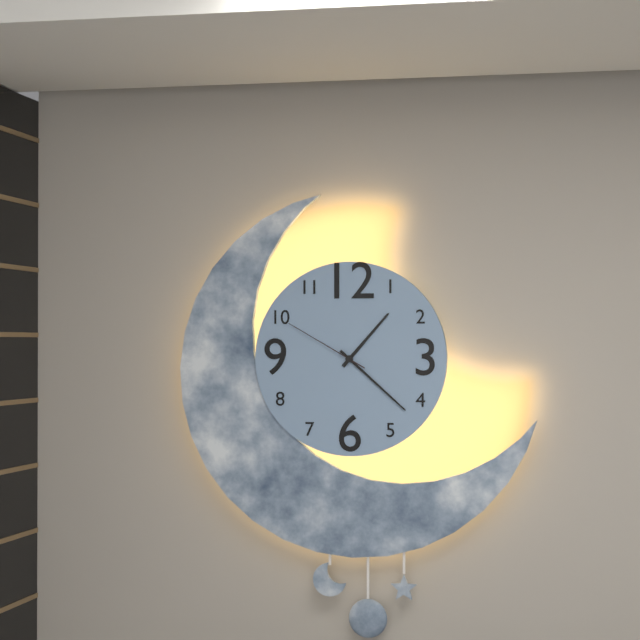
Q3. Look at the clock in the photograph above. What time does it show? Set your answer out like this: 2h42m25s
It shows 1h22m50s
